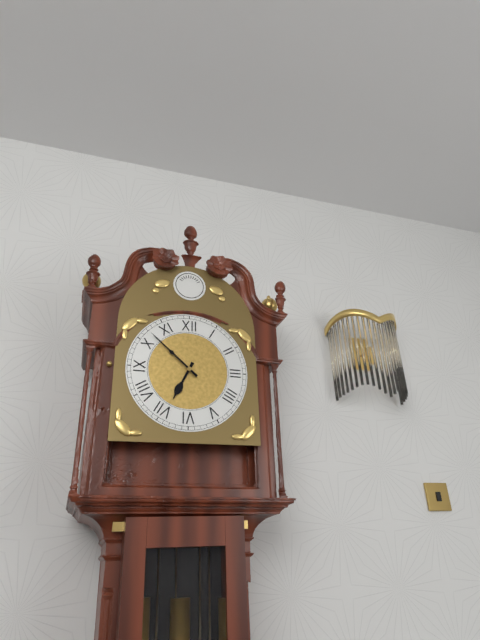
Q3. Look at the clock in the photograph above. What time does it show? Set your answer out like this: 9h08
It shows 6h52
